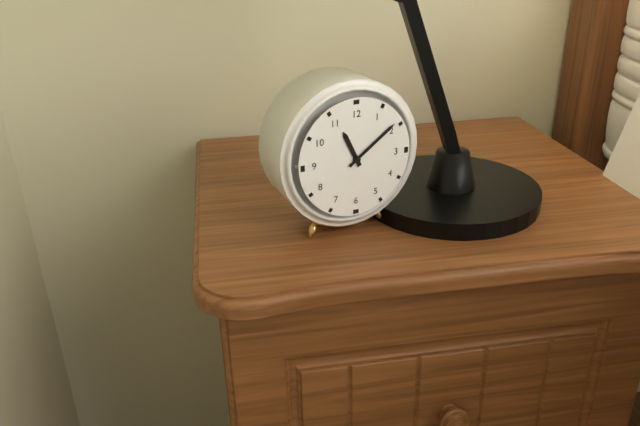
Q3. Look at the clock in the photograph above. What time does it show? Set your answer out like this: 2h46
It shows 11h09
